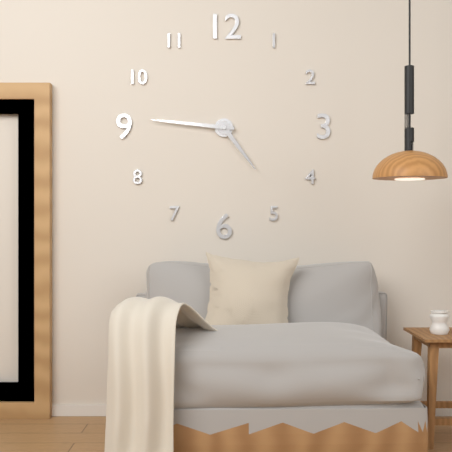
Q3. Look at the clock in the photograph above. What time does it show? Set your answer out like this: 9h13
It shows 4h46
